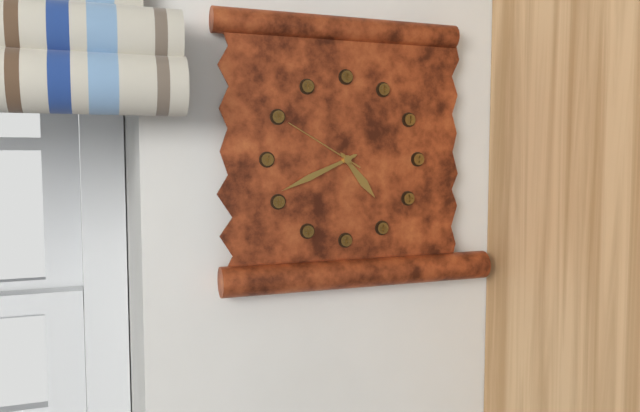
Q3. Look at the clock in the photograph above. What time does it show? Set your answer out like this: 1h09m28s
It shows 4h41m50s
